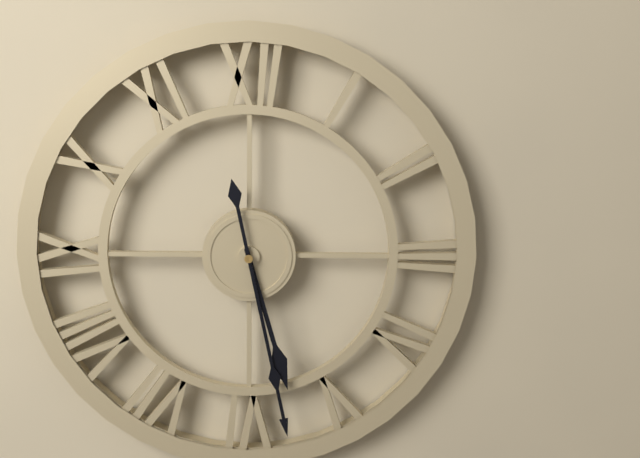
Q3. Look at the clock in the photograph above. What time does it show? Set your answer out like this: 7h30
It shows 5h28
